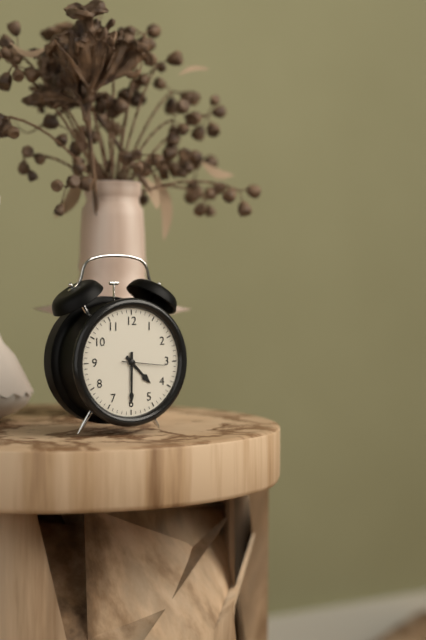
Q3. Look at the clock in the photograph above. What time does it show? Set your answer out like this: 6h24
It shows 4h30
